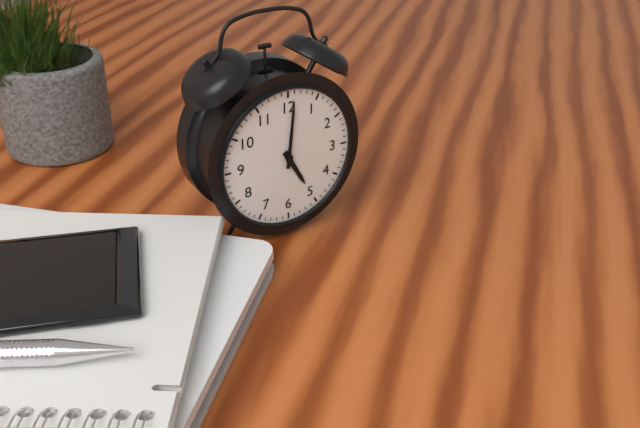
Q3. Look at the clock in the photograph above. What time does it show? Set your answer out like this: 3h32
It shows 5h01
